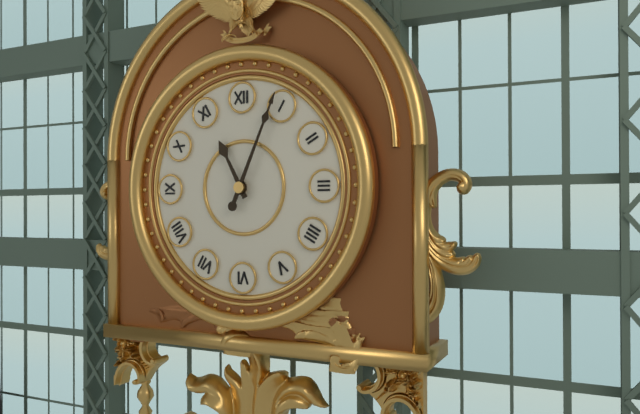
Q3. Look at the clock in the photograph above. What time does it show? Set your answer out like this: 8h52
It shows 11h04
